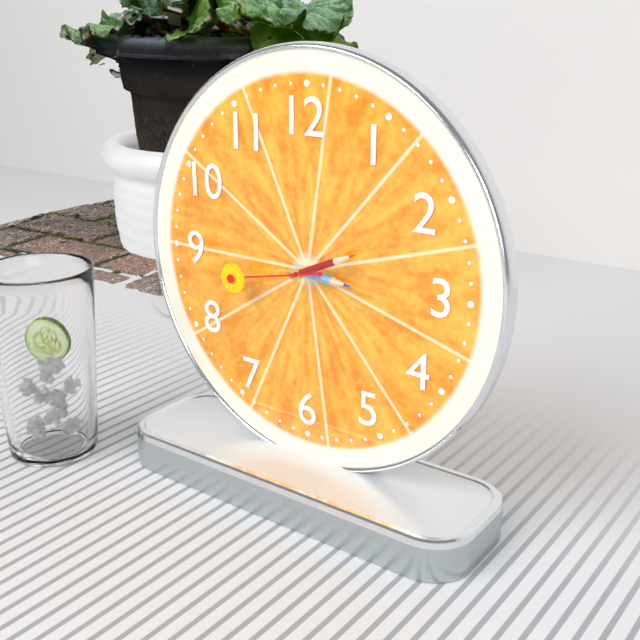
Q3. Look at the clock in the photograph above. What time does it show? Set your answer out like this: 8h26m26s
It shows 3h11m43s
